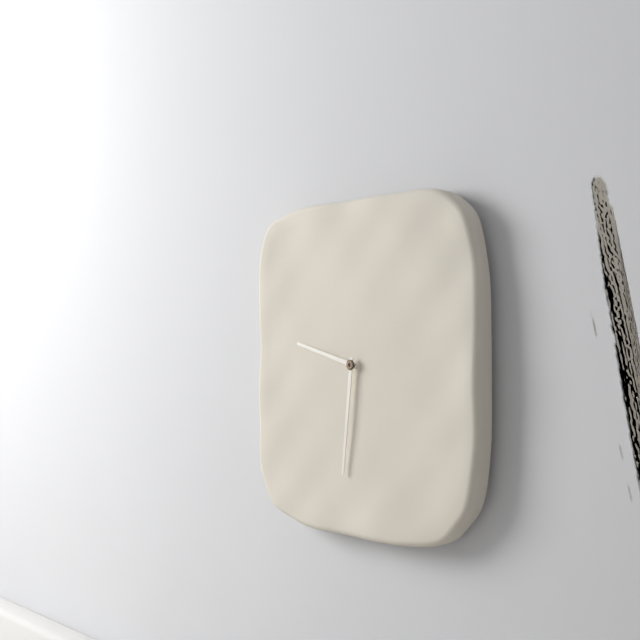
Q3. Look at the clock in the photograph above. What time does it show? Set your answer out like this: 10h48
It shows 9h31
